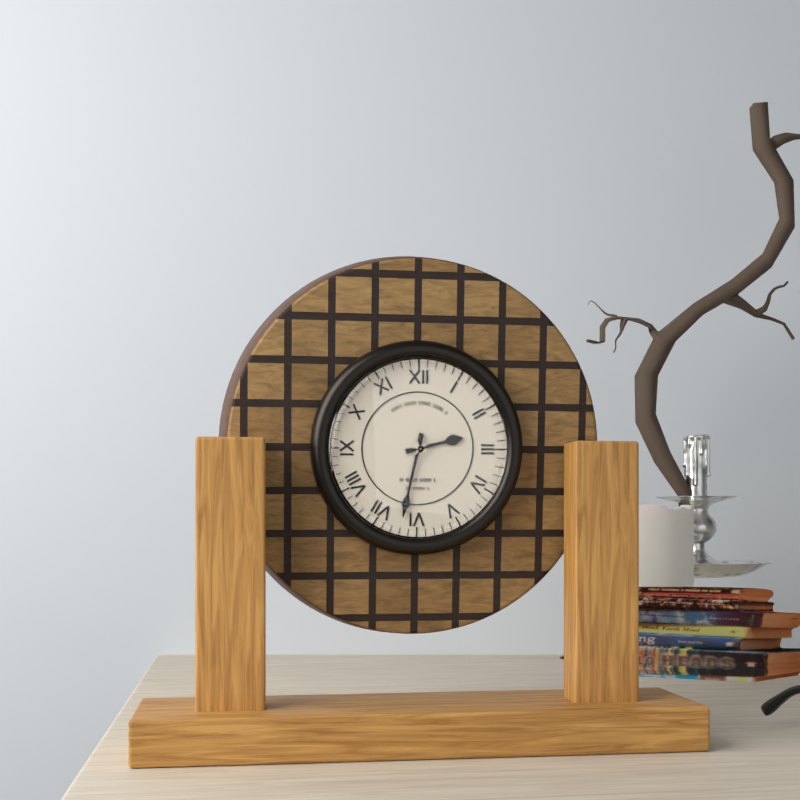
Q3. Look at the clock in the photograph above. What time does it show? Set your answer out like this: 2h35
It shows 2h32
